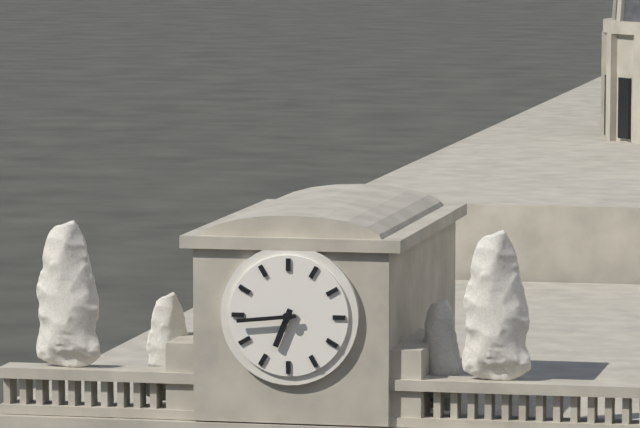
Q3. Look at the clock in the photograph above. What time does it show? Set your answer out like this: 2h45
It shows 6h44
